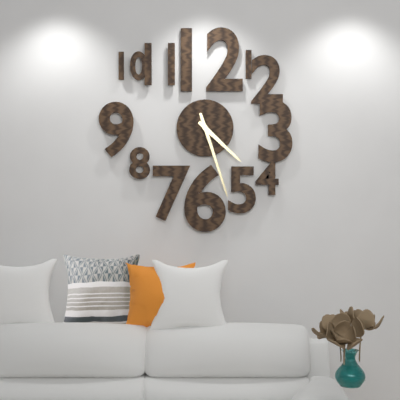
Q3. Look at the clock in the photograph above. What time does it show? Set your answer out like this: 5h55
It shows 4h27
